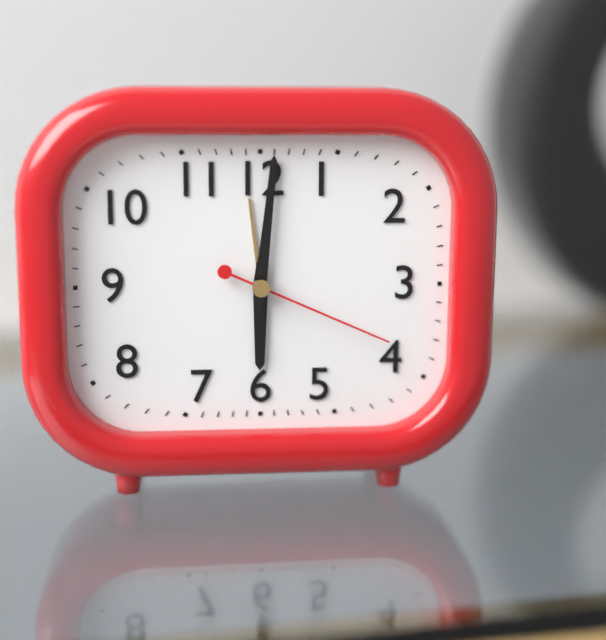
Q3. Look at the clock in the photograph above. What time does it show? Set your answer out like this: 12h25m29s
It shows 6h01m19s
